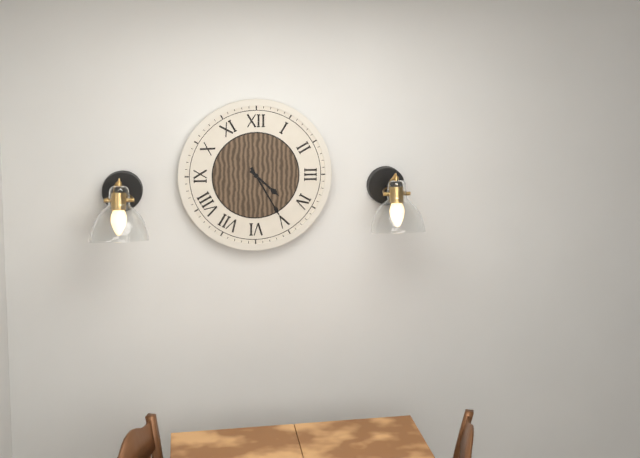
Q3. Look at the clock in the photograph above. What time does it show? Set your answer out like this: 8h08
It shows 4h25
